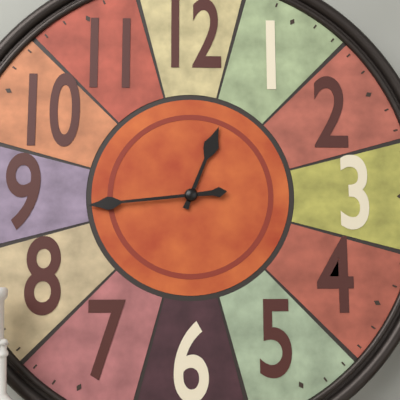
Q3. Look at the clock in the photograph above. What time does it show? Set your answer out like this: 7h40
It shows 12h44
